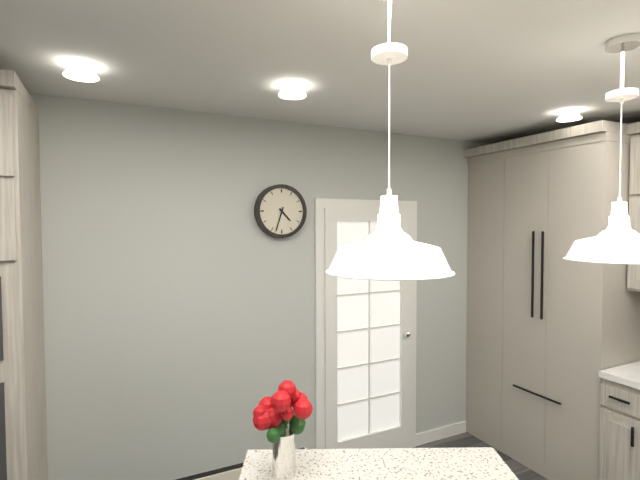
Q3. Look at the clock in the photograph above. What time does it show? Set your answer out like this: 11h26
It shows 4h33
